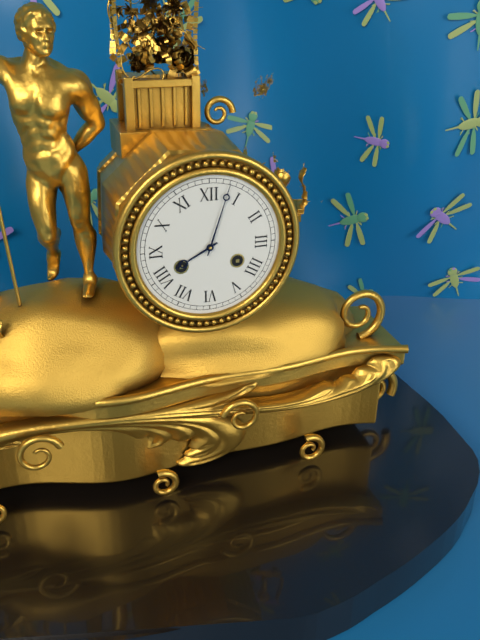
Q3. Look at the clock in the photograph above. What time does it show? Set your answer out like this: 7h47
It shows 8h03
